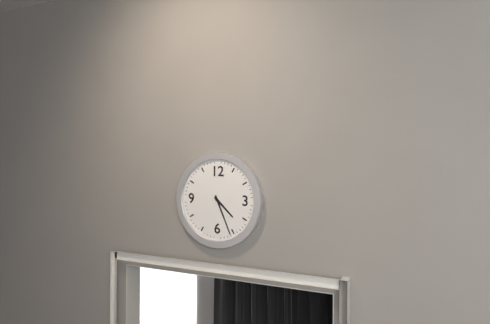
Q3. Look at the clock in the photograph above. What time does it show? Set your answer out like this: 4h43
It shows 4h26
